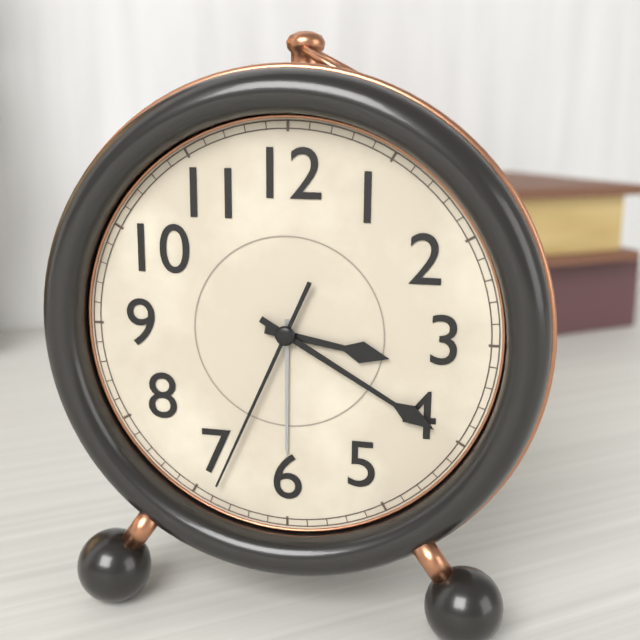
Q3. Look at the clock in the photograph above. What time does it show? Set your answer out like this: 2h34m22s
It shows 3h20m34s
